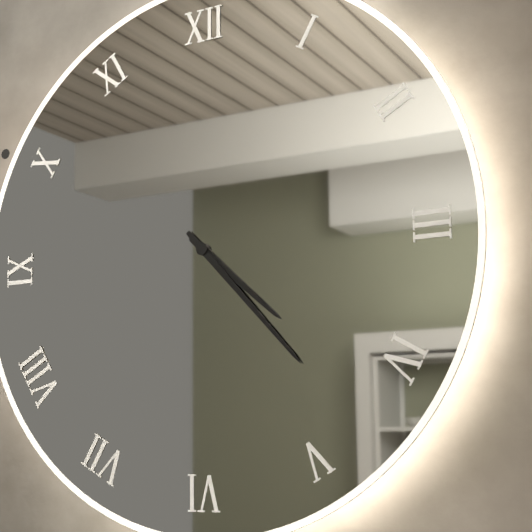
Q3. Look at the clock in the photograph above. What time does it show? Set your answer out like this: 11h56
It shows 4h23
